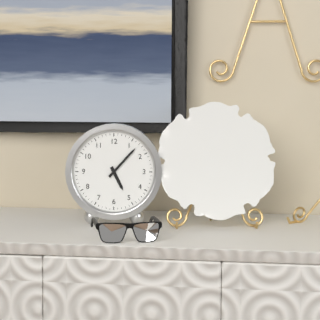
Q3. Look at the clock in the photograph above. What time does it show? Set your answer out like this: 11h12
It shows 5h07
